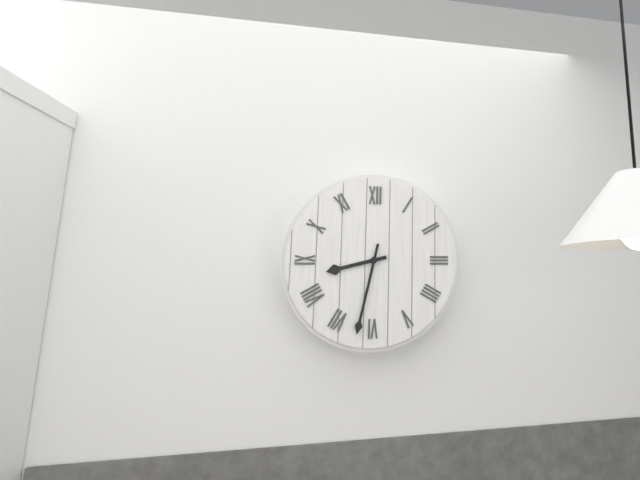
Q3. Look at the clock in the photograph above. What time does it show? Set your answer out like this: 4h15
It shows 8h32
